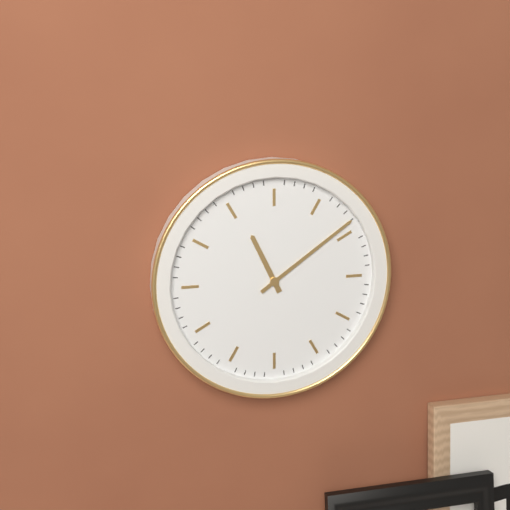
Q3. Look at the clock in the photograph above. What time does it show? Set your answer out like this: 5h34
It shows 11h09
